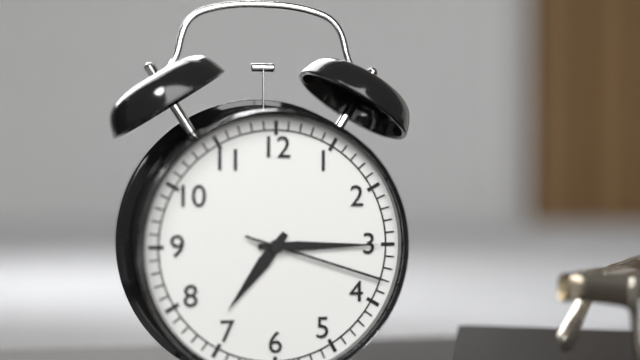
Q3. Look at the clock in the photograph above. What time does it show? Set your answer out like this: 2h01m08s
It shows 7h15m18s
